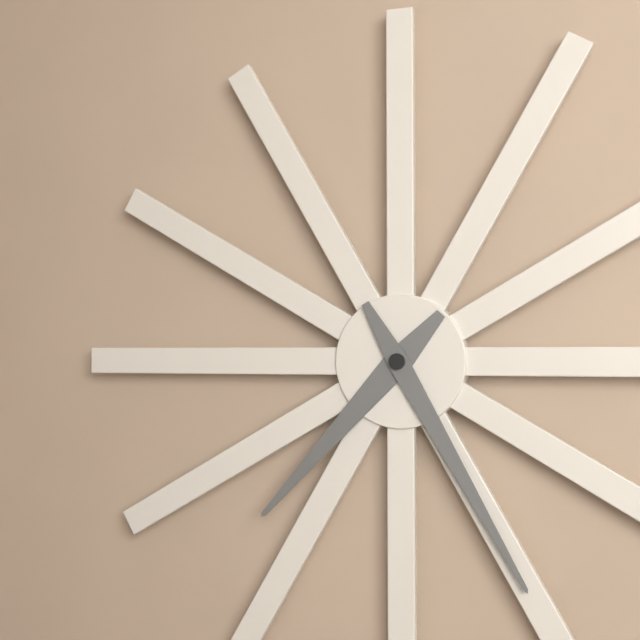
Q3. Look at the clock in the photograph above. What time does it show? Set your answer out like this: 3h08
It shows 7h25
